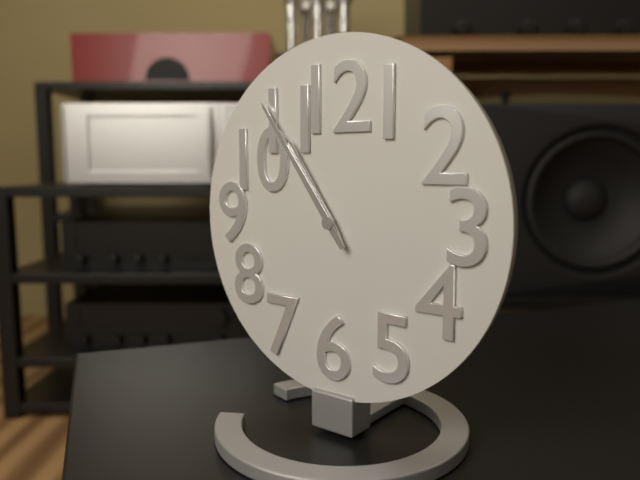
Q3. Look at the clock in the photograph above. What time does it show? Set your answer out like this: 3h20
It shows 10h54
